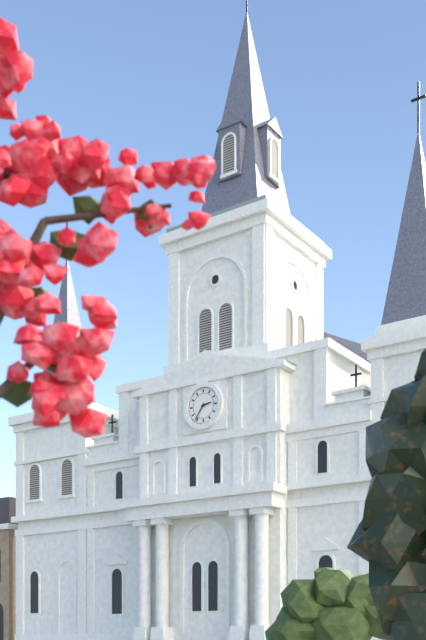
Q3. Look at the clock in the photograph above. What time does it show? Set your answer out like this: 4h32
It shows 2h36
